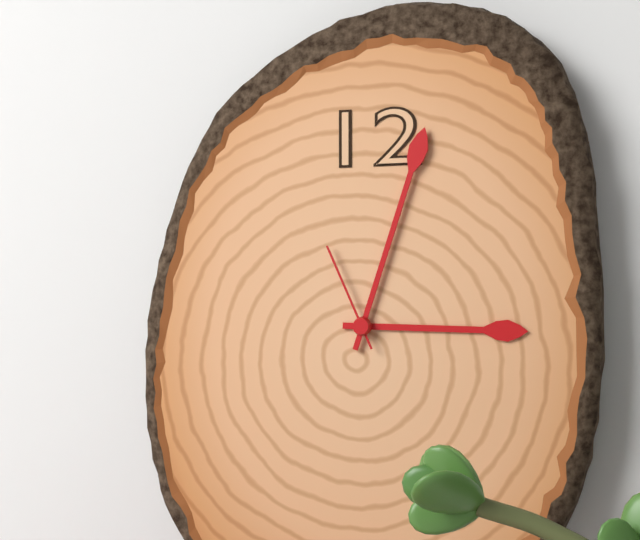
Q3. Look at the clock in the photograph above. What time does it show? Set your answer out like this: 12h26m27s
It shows 3h03m56s
